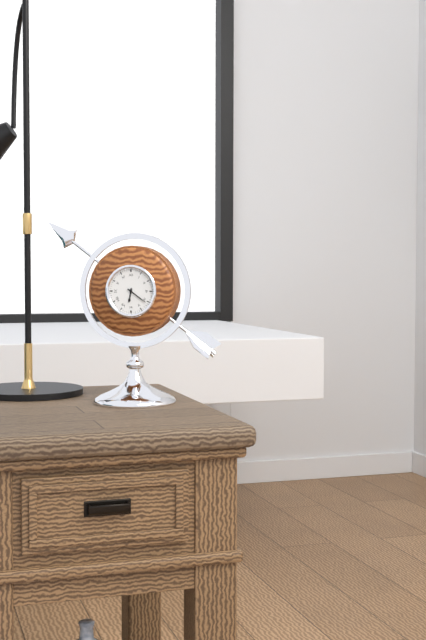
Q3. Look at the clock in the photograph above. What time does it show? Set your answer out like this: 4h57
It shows 6h21
